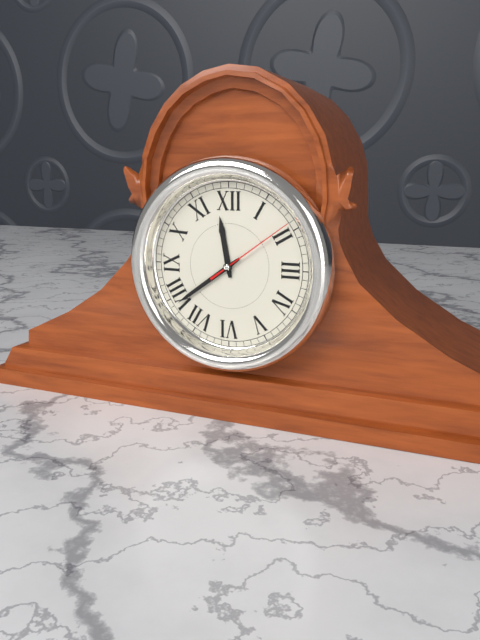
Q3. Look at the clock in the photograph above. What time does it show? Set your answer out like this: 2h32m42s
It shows 11h39m09s
